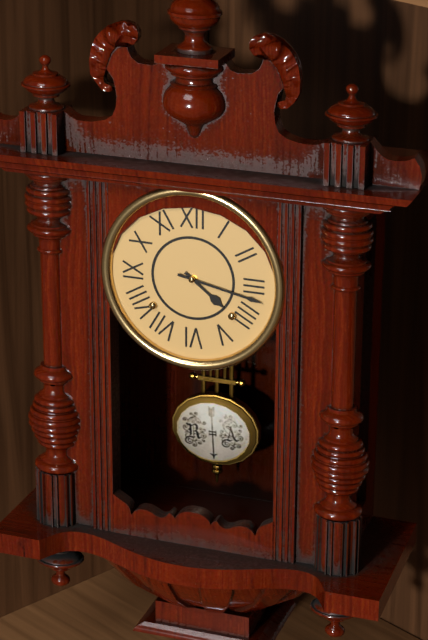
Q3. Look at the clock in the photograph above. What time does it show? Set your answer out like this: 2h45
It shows 4h17
